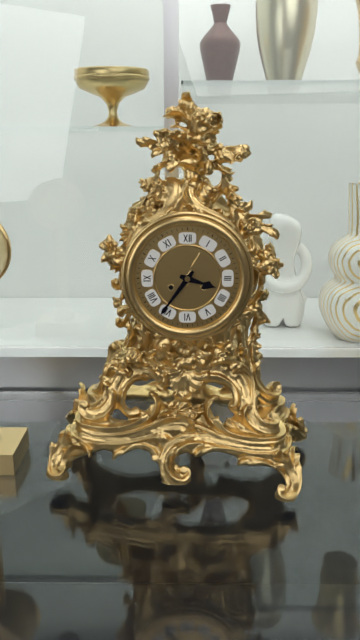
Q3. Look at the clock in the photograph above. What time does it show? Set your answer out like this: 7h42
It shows 3h36
